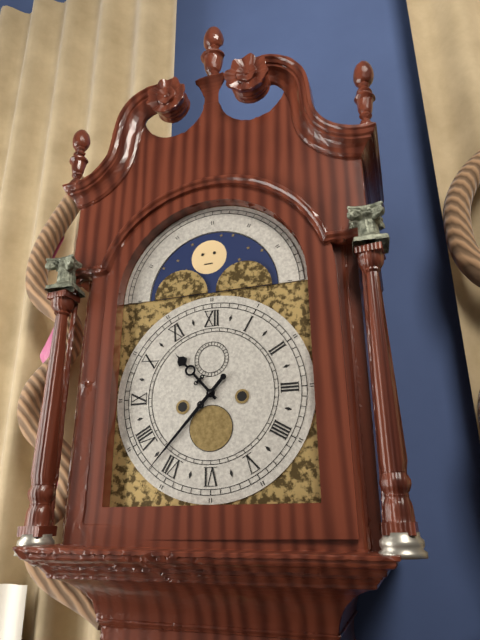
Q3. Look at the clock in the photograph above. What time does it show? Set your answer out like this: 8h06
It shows 10h37
